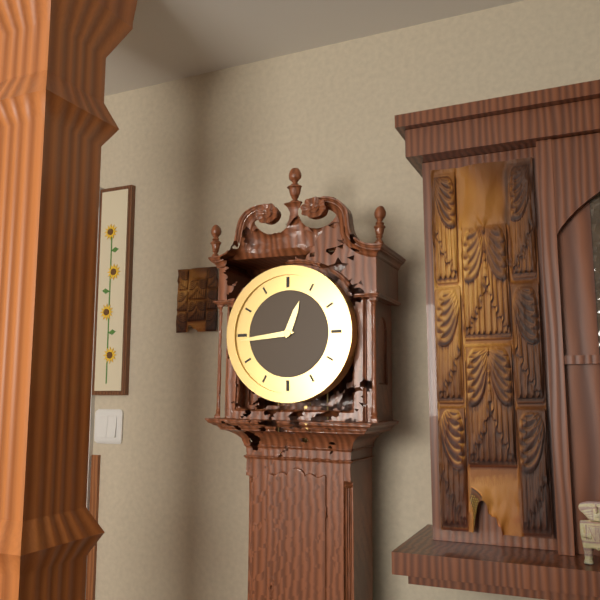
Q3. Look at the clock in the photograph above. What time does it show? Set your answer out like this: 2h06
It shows 12h44
